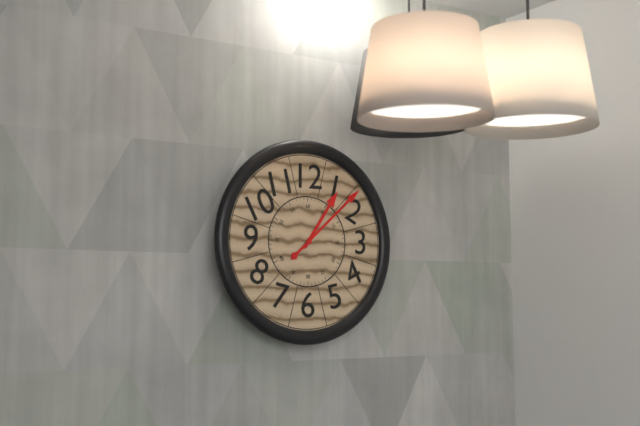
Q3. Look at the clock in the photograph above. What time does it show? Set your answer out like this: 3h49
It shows 1h08
